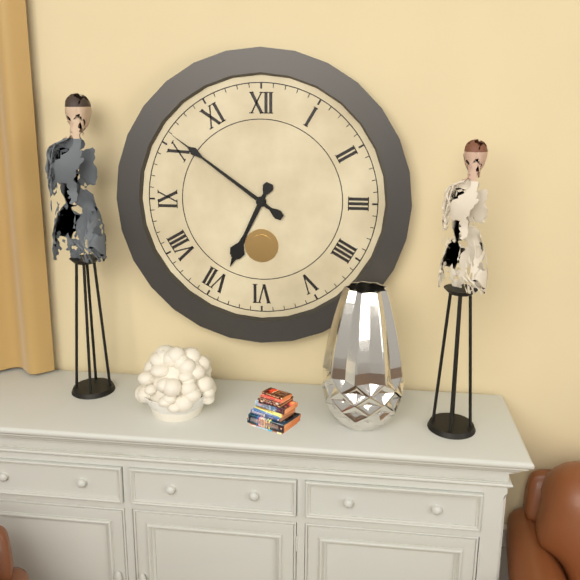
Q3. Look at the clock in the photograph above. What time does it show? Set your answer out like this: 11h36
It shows 6h51
